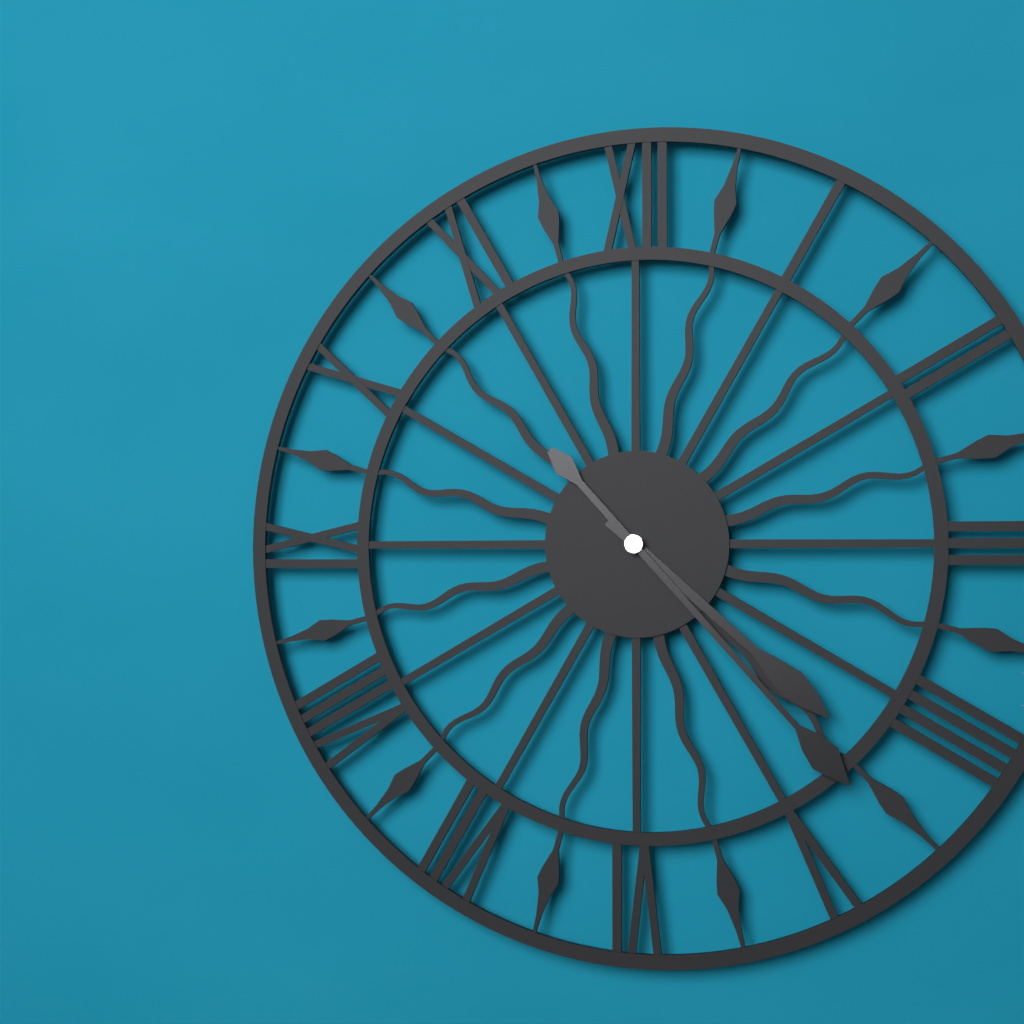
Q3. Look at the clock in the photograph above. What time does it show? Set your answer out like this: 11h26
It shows 4h23
